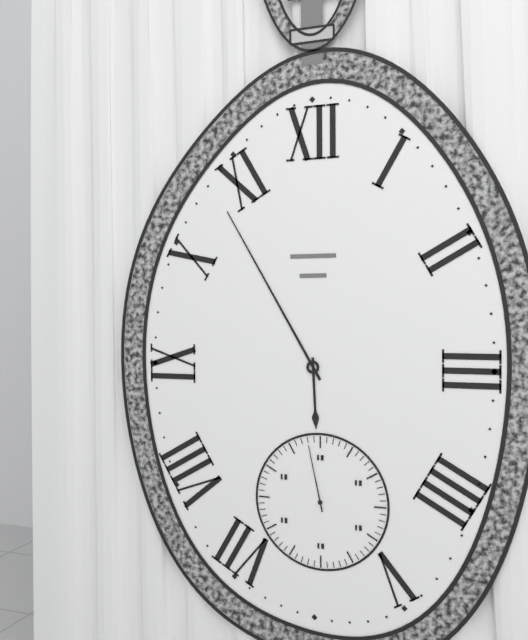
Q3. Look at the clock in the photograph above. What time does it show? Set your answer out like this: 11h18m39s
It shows 5h55m58s
